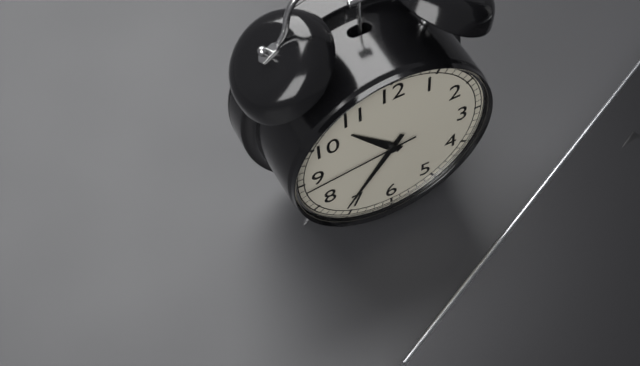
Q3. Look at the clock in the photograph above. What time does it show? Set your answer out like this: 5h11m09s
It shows 10h36m44s
